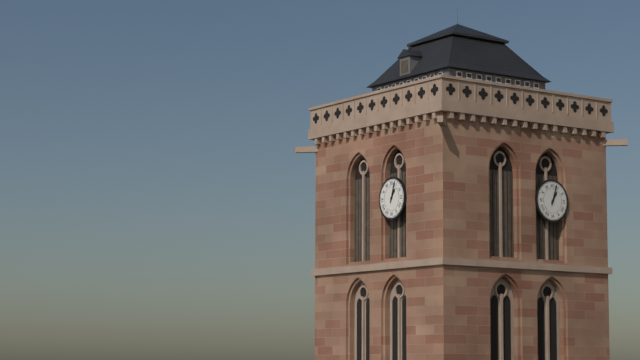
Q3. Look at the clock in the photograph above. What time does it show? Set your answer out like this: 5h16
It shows 1h03
